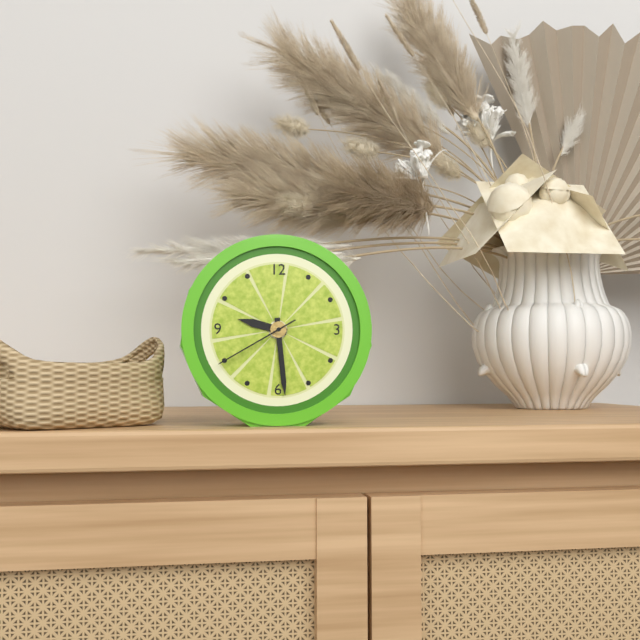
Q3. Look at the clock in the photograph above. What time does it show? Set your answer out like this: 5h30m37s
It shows 9h29m40s
